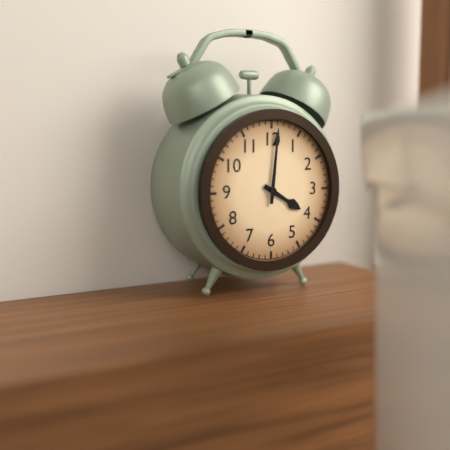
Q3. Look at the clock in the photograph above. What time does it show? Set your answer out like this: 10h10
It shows 4h01
